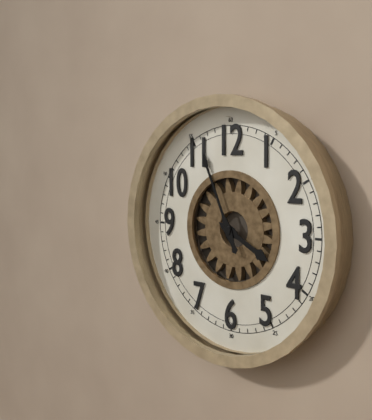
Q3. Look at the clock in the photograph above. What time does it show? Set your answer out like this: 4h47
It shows 3h56
